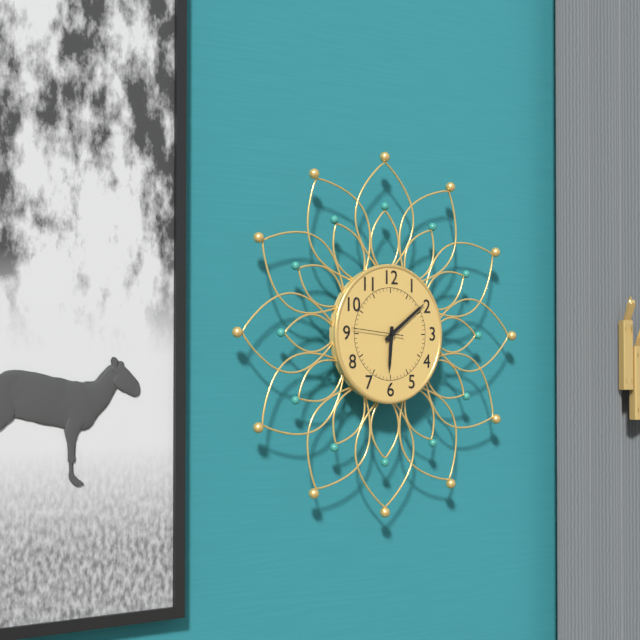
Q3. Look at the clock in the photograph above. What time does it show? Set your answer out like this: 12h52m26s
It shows 6h09m46s
